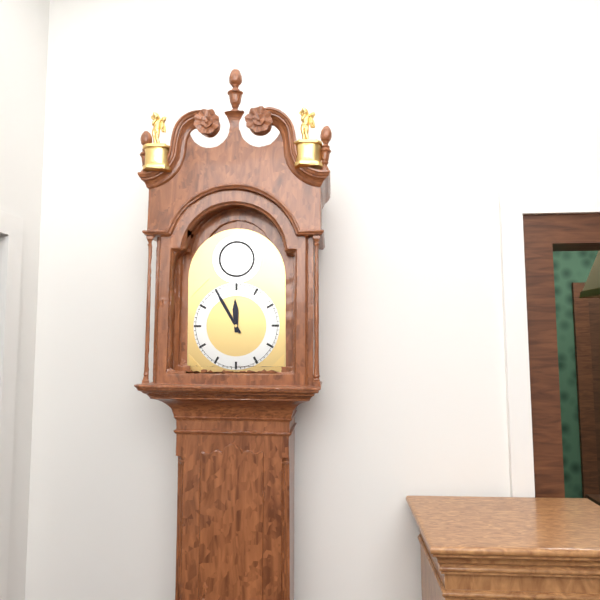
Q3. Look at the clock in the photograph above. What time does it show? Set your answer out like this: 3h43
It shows 11h55
